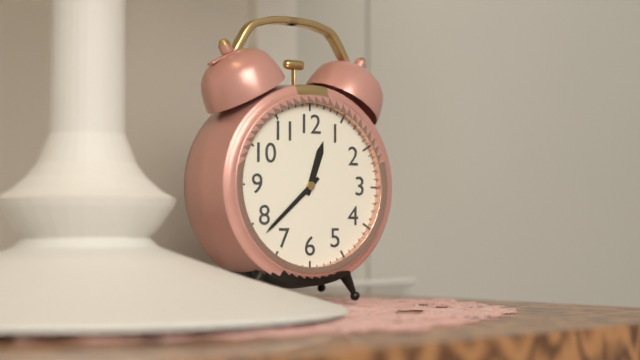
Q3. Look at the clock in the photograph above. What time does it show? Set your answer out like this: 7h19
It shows 12h38
